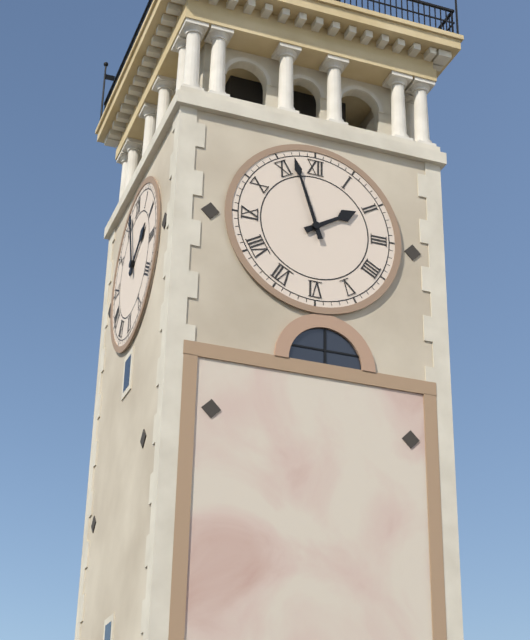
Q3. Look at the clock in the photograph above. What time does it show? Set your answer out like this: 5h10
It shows 1h57
